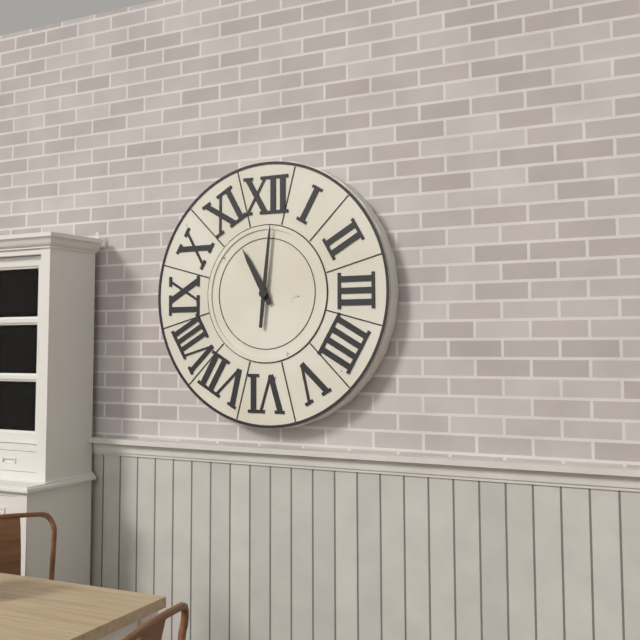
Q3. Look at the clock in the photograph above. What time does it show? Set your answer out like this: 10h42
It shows 11h01
